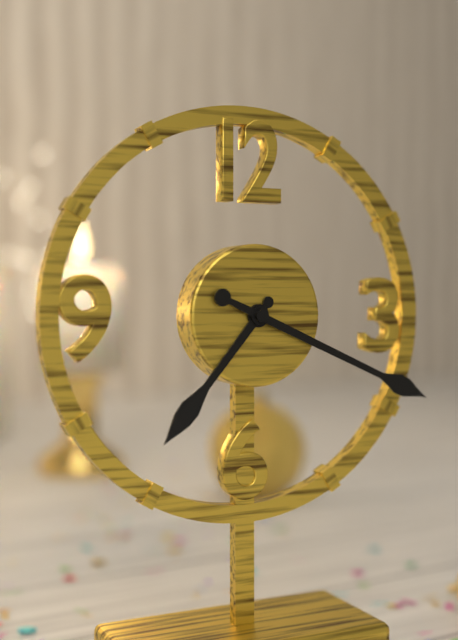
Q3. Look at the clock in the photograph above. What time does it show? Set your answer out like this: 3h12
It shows 7h19
